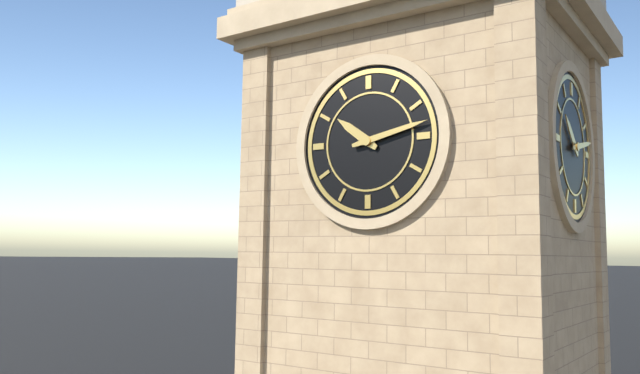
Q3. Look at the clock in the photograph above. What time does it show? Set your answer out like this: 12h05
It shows 10h13
